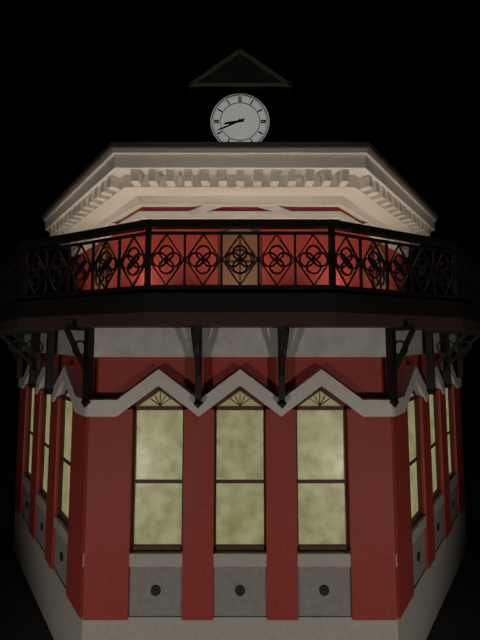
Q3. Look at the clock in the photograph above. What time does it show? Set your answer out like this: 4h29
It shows 8h41
